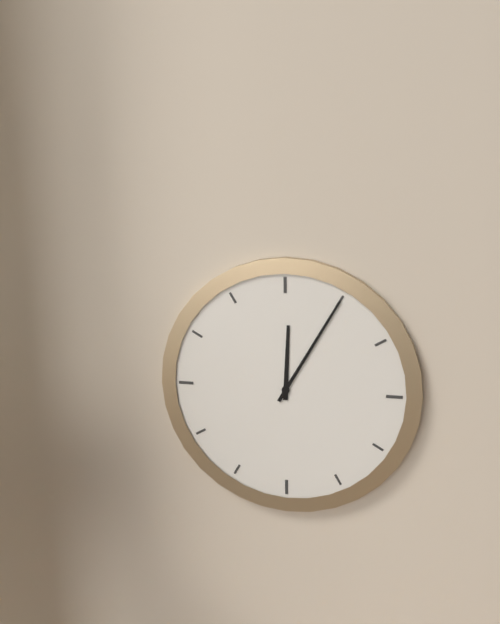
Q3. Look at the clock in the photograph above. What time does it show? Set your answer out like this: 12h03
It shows 12h05
